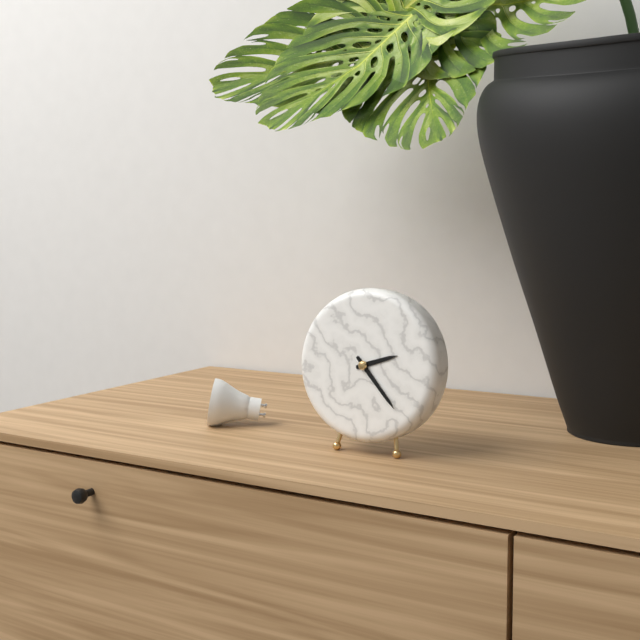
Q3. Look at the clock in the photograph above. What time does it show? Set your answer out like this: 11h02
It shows 2h23
